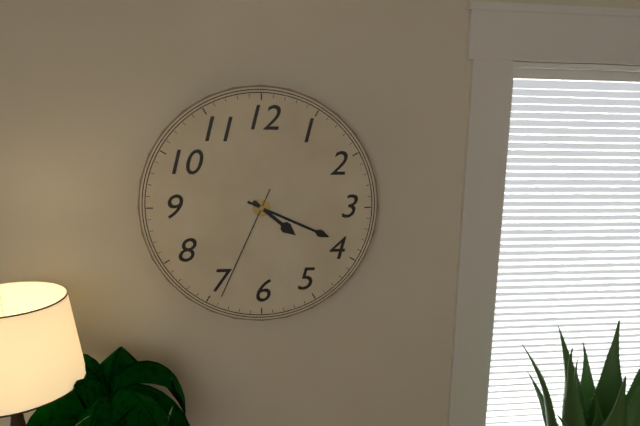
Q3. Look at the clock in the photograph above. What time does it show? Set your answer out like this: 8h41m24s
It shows 4h19m34s
